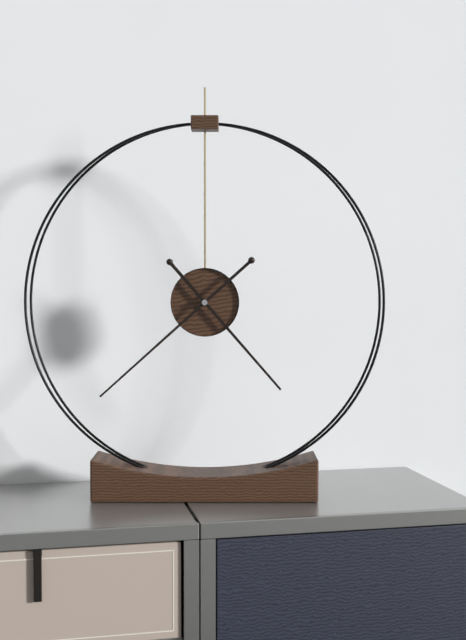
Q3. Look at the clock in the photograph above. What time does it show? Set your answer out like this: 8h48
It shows 4h38
